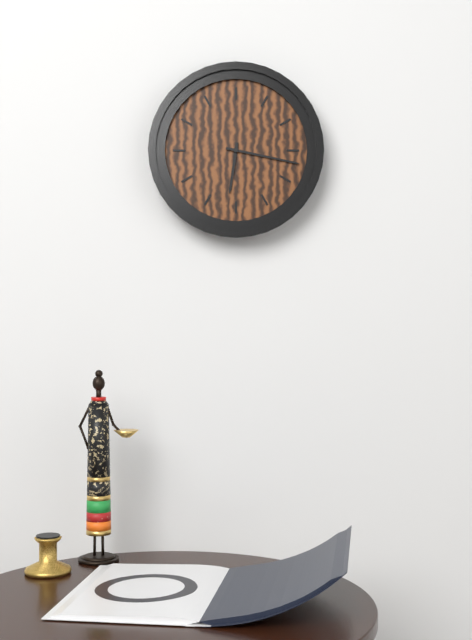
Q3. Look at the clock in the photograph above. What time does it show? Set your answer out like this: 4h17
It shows 6h17
